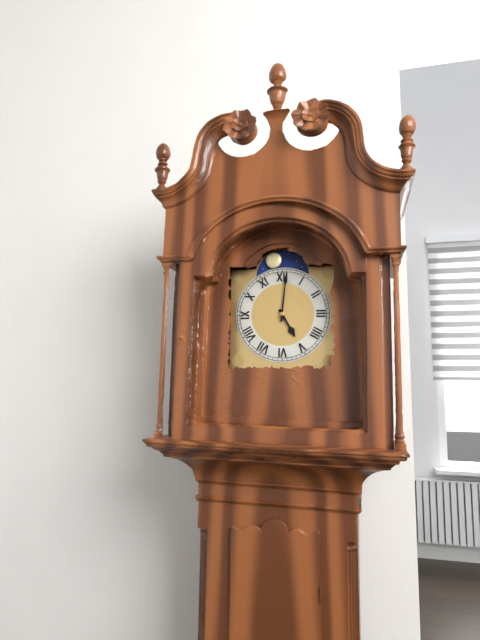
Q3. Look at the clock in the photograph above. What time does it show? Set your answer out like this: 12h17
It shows 5h01
